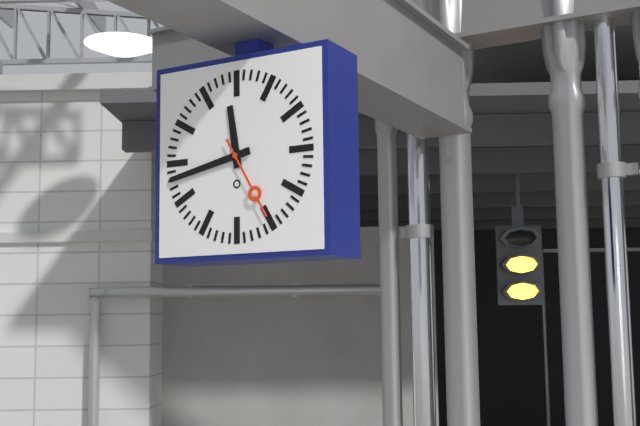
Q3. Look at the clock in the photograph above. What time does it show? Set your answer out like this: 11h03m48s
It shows 11h43m25s
